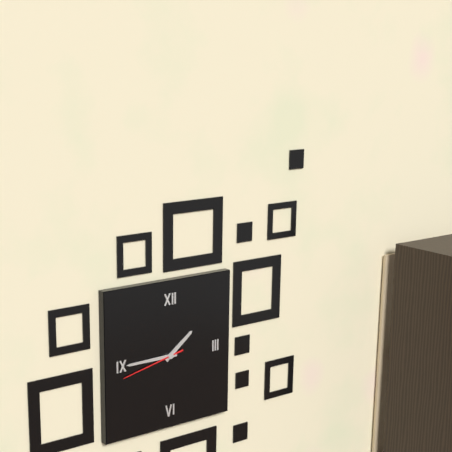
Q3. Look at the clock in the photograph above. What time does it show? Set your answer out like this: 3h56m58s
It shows 1h45m43s
